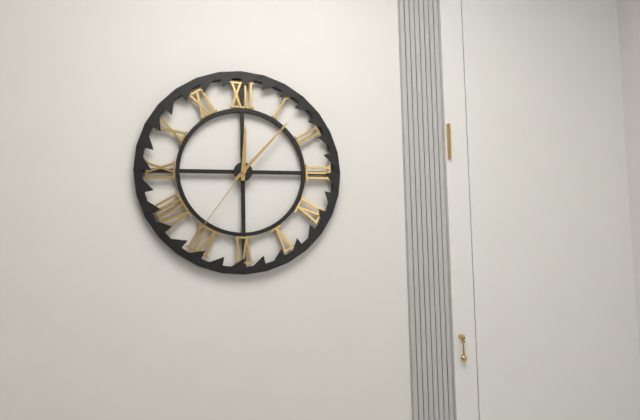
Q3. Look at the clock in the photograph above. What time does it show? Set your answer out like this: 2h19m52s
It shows 12h07m36s
